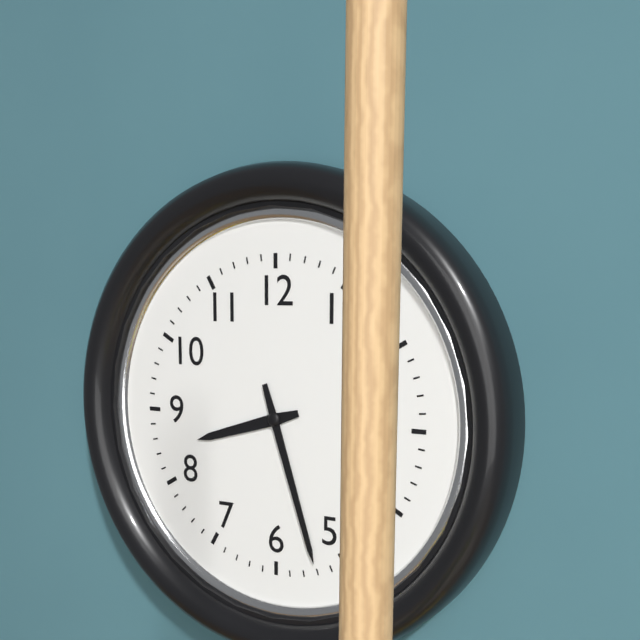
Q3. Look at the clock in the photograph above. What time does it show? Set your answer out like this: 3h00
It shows 8h27
